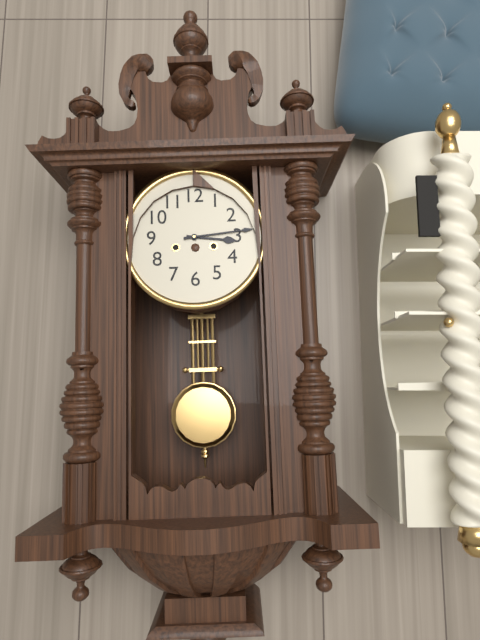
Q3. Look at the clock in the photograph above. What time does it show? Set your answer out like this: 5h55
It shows 3h14
